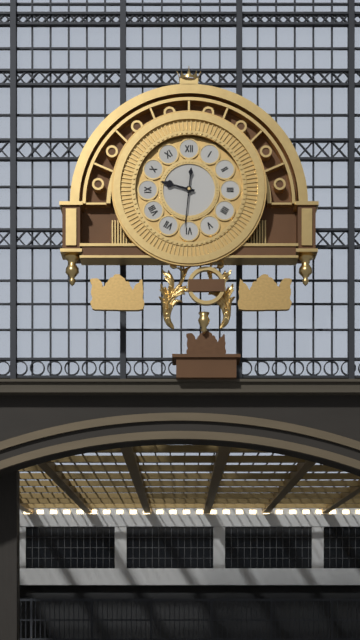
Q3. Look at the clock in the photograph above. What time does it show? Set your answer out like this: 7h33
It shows 9h31
